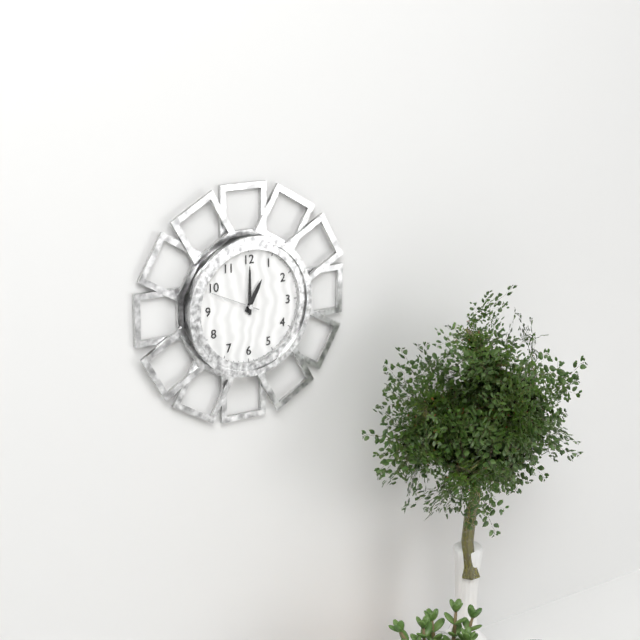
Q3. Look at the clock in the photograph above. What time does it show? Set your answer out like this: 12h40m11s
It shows 1h00m49s
